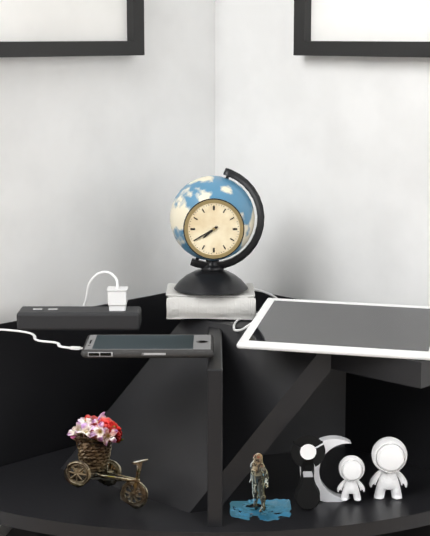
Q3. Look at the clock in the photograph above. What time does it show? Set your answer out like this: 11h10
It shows 7h40
